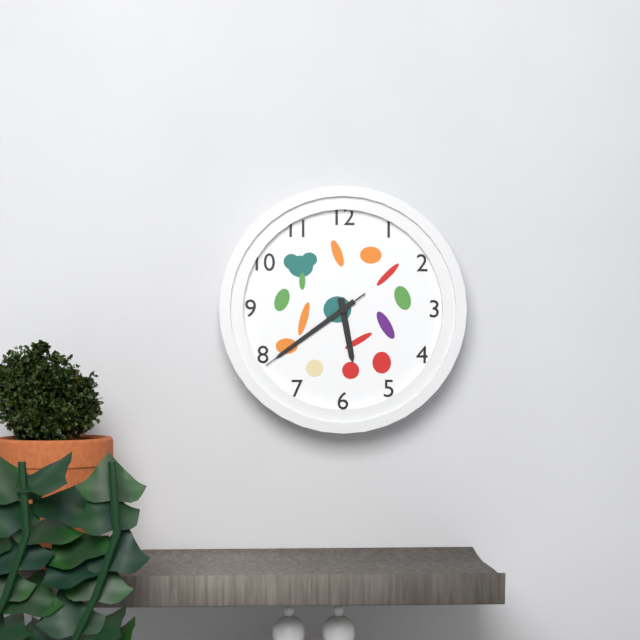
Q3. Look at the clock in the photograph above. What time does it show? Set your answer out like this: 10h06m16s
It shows 5h39m39s
